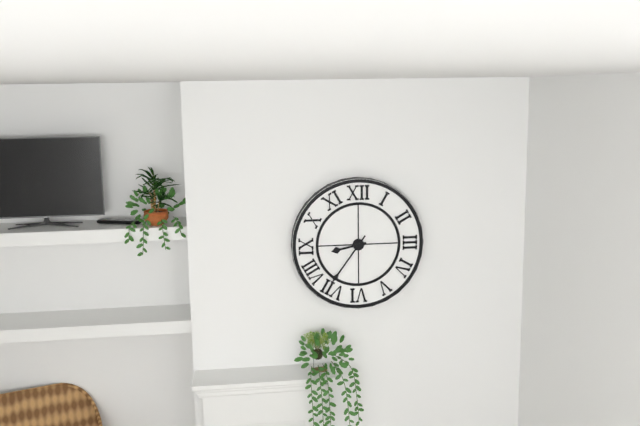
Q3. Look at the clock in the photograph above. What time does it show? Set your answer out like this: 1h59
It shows 8h36
